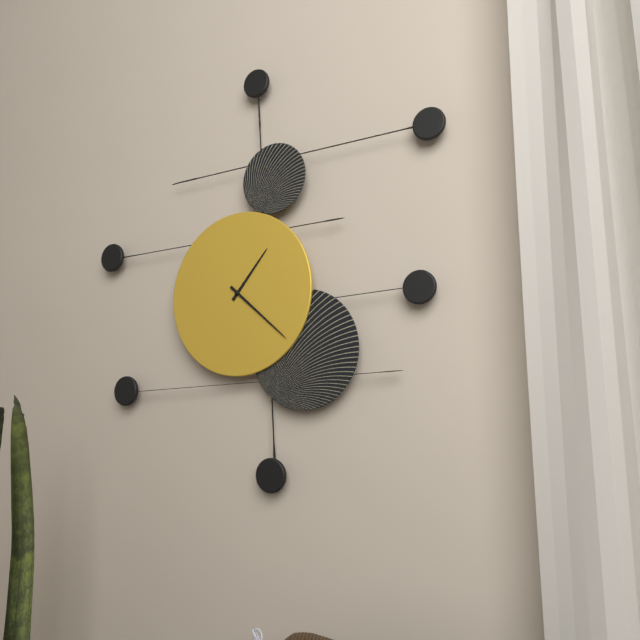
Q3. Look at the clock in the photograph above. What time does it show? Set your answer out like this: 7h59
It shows 1h22
